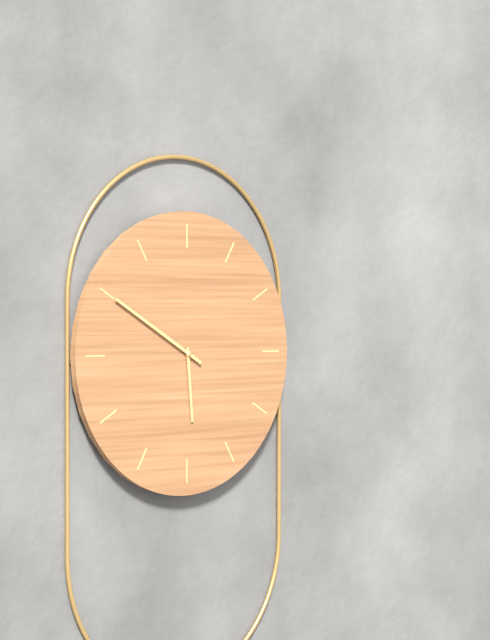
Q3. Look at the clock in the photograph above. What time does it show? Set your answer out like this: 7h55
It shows 5h50
